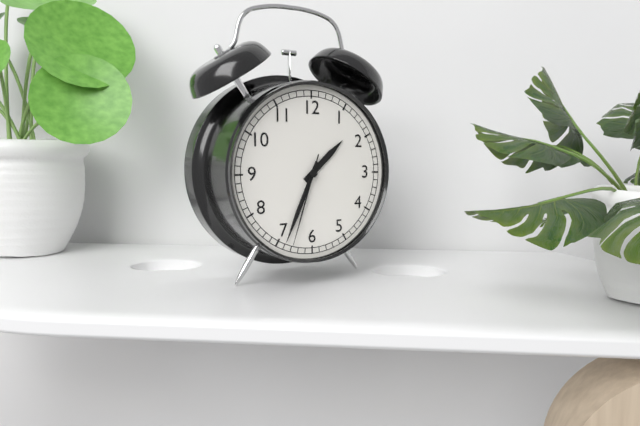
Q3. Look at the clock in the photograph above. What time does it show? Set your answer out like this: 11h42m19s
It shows 1h34m33s
